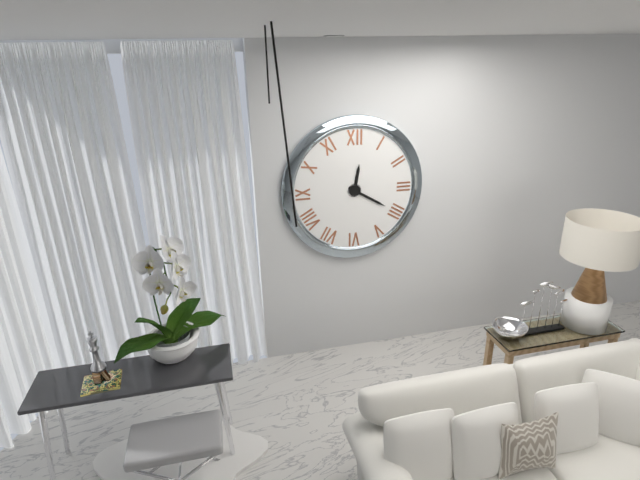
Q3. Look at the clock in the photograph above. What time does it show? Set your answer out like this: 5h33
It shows 12h20
